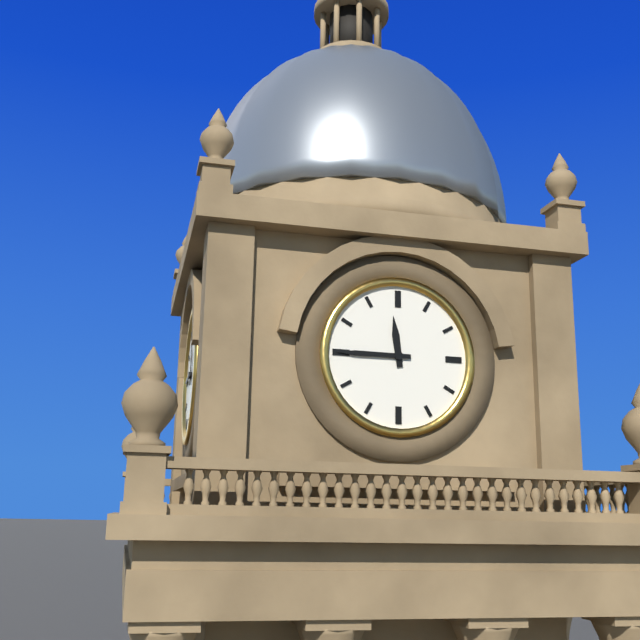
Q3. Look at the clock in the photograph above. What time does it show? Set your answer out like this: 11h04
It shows 11h45
